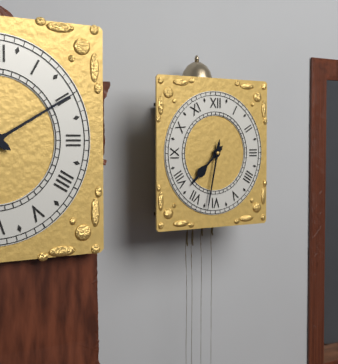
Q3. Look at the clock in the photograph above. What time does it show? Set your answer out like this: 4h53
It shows 7h32
